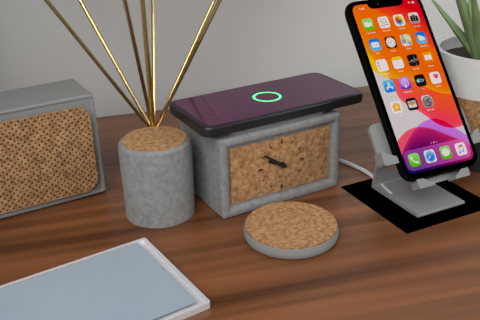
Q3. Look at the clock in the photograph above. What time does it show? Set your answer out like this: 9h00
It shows 9h51
